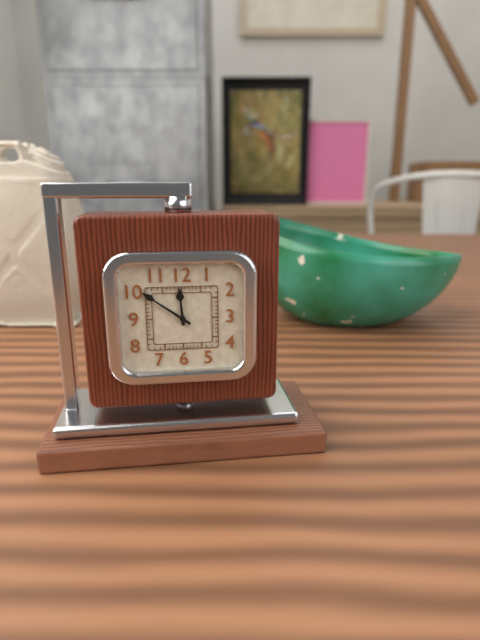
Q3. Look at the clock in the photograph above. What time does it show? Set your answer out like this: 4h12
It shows 11h51
